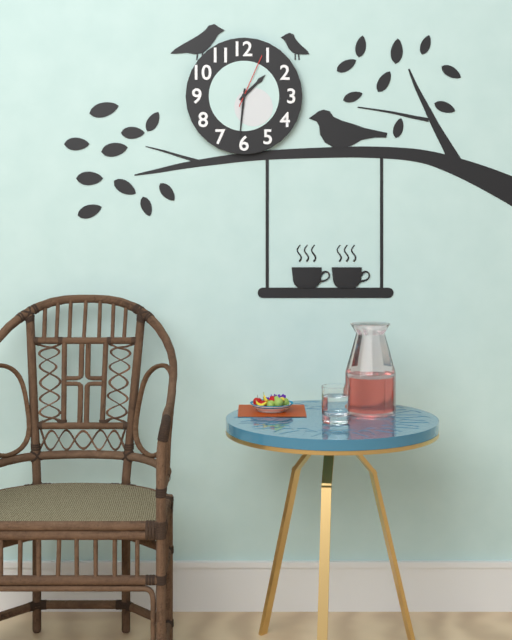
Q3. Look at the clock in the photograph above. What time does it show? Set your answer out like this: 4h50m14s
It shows 1h31m04s
